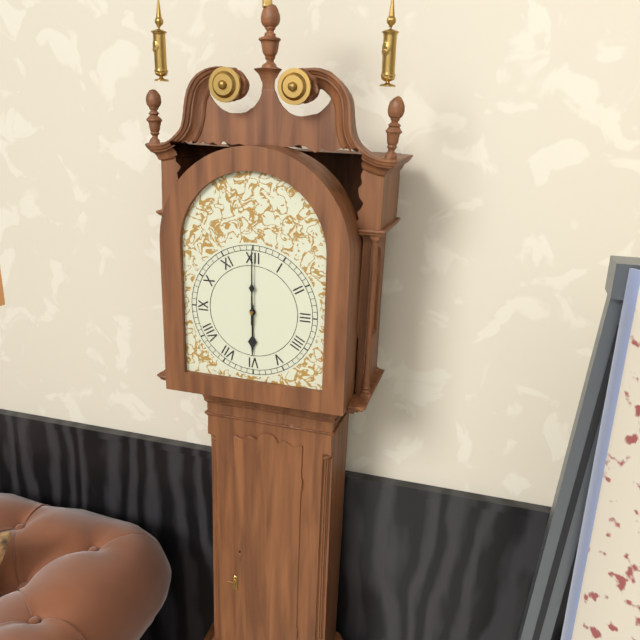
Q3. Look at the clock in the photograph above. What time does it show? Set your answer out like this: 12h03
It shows 6h00
